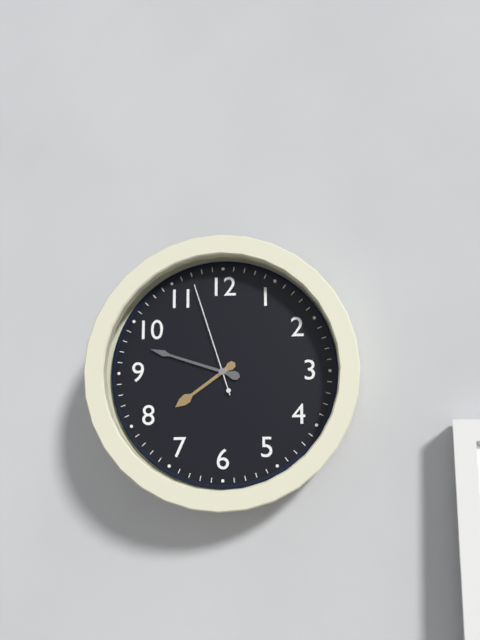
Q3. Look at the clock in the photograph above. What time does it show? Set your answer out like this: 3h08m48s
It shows 7h48m57s
